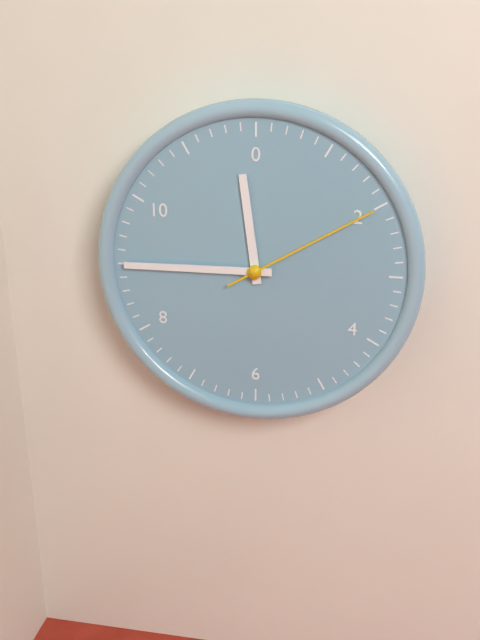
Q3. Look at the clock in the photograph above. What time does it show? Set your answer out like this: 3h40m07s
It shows 11h45m10s
